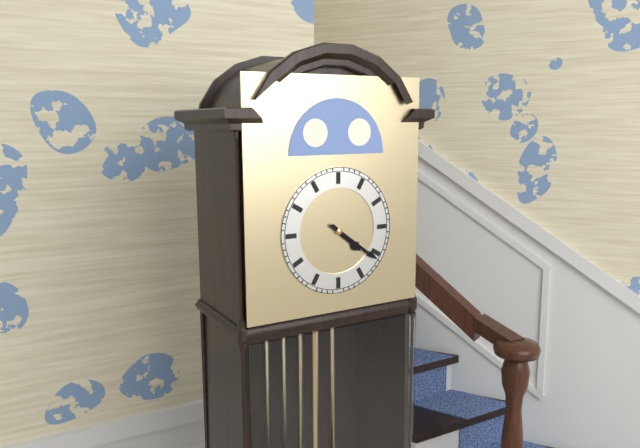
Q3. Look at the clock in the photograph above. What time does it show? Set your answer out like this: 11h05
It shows 4h21
